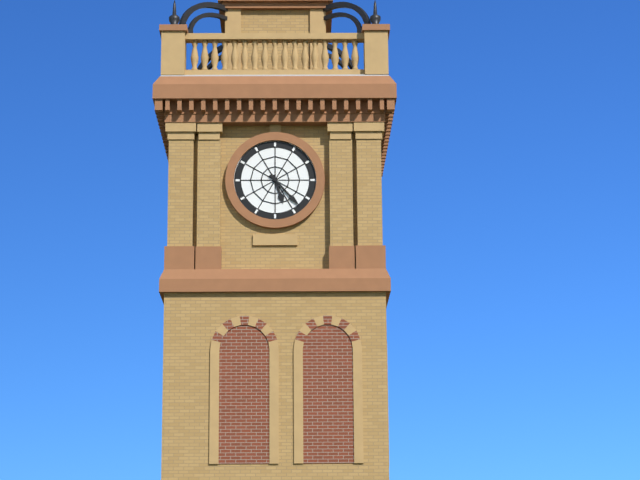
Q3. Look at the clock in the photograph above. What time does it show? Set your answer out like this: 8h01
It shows 5h23
